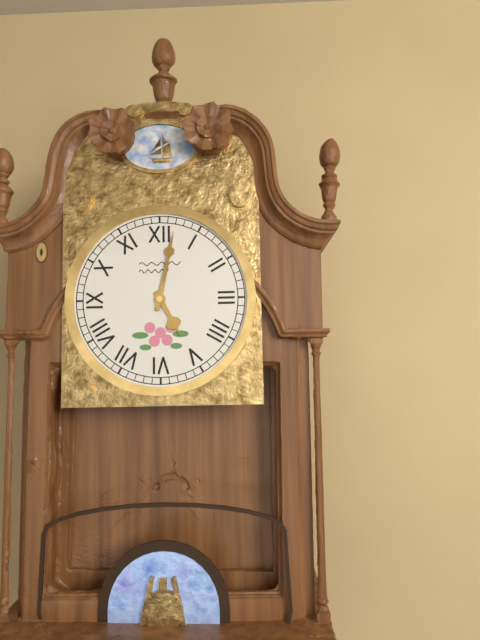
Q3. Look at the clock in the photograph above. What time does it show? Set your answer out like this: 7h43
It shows 5h02
